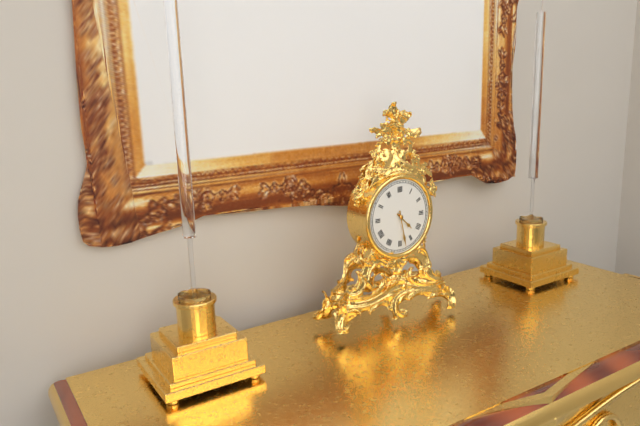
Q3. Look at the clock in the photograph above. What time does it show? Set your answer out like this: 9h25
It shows 4h28
